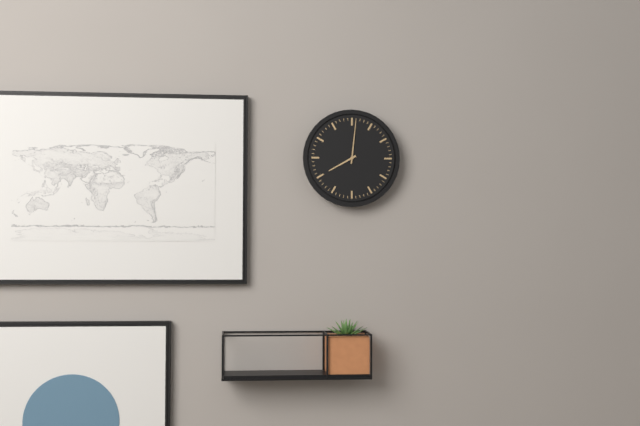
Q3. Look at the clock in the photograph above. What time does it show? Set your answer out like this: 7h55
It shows 8h01
